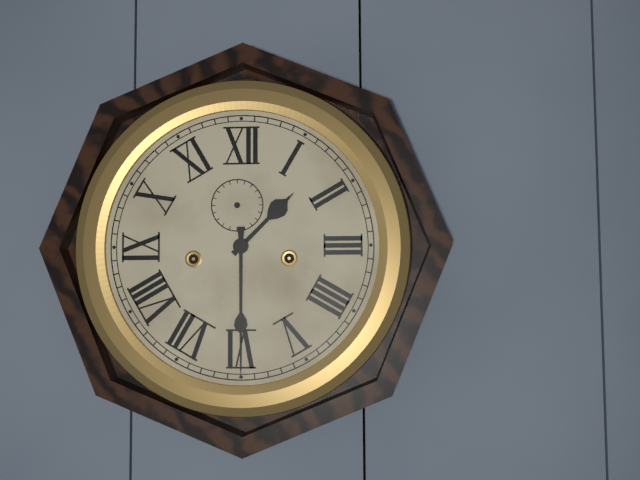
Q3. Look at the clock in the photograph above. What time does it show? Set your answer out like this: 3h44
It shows 1h30
